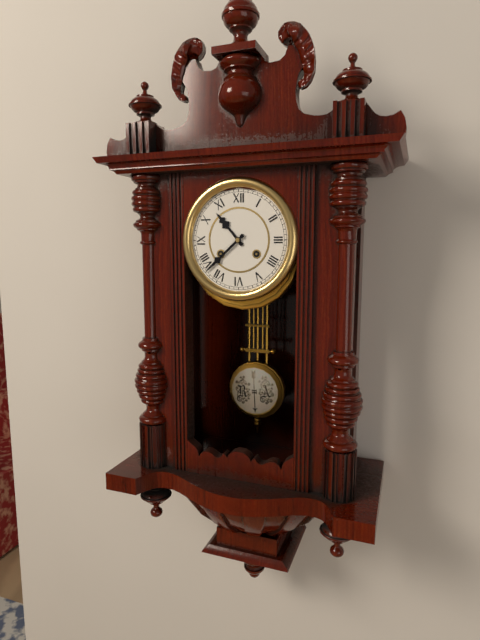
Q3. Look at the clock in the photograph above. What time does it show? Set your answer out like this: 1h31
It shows 10h38
